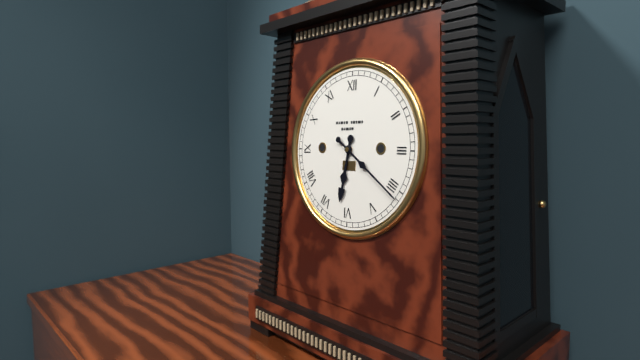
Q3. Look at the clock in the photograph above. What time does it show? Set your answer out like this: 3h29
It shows 6h21
